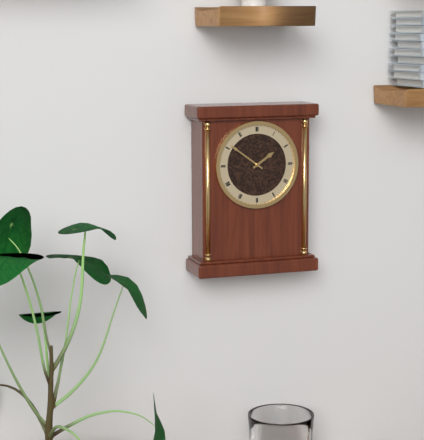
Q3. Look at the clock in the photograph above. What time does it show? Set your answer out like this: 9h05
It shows 1h51
